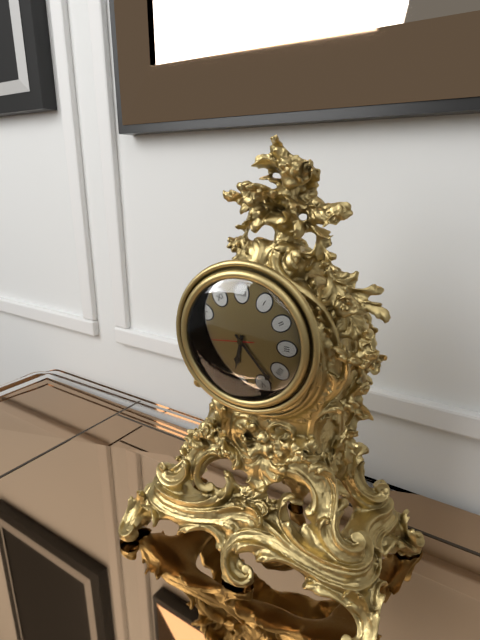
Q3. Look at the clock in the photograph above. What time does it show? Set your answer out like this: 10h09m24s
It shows 6h23m44s
